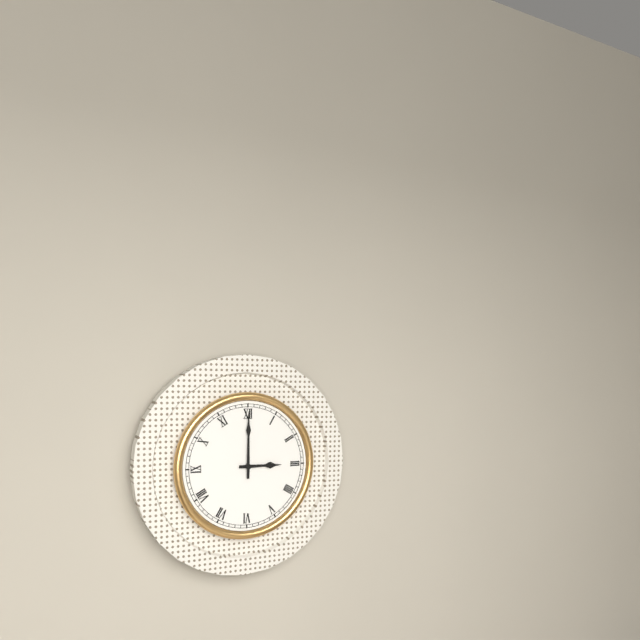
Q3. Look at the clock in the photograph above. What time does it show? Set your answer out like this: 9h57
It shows 3h00
